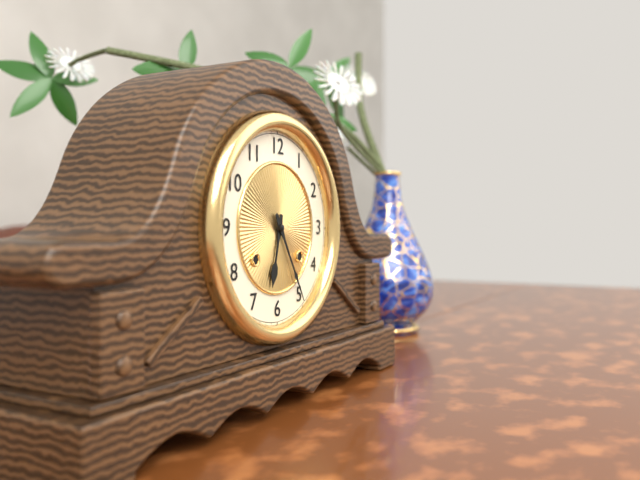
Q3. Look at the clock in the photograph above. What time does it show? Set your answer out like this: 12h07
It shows 6h25
